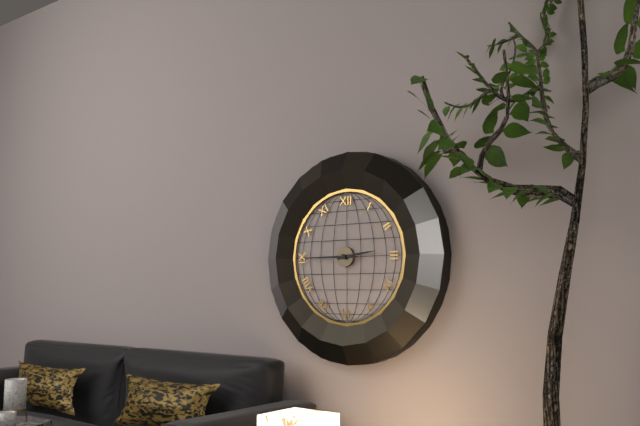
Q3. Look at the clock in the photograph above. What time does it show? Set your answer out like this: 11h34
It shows 2h45
